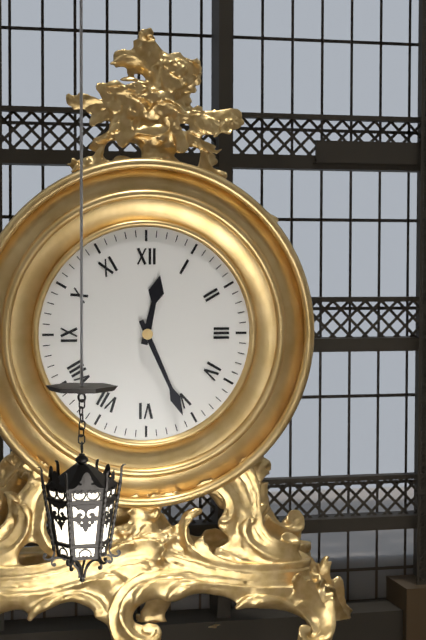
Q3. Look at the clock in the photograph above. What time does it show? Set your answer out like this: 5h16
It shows 12h26
